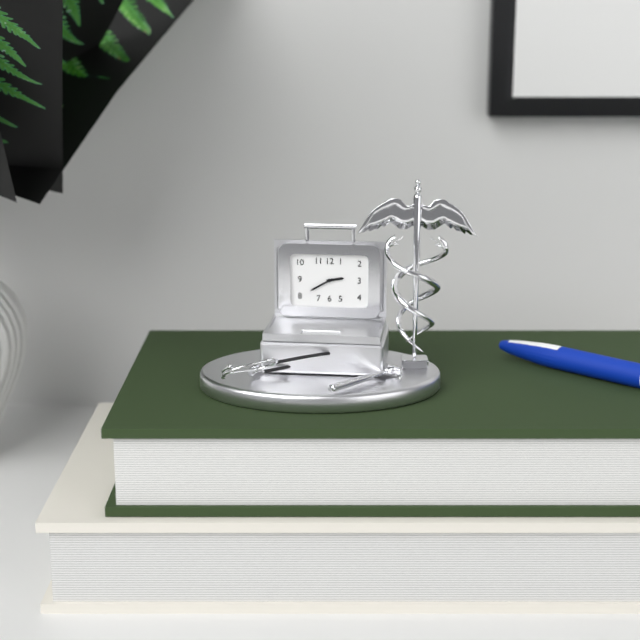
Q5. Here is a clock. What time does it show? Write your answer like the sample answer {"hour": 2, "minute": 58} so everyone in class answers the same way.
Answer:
{"hour": 2, "minute": 40}
